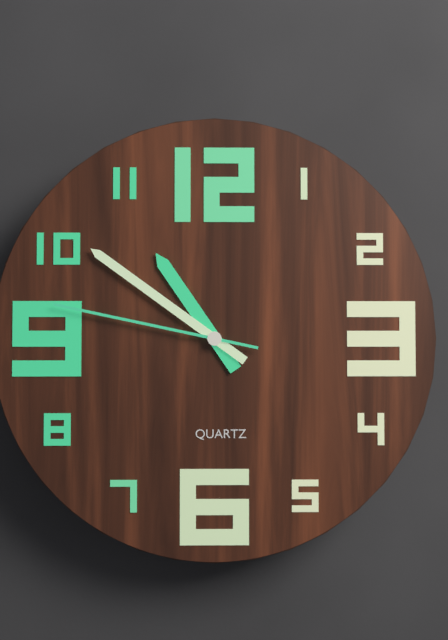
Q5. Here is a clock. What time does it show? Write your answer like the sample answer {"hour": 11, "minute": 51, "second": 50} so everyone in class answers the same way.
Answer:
{"hour": 10, "minute": 51, "second": 47}
